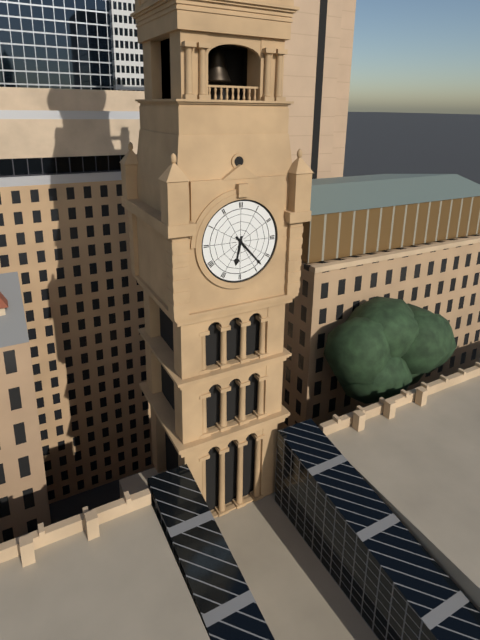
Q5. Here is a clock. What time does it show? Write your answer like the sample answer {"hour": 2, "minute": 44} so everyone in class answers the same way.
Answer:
{"hour": 6, "minute": 23}
